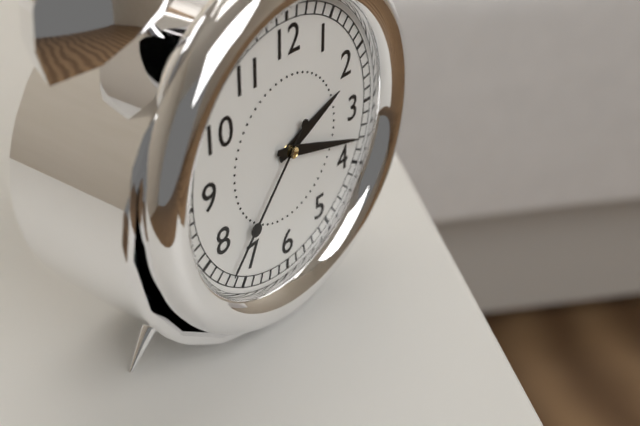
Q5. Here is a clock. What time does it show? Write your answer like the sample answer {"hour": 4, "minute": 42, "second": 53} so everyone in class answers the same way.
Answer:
{"hour": 2, "minute": 18, "second": 37}
